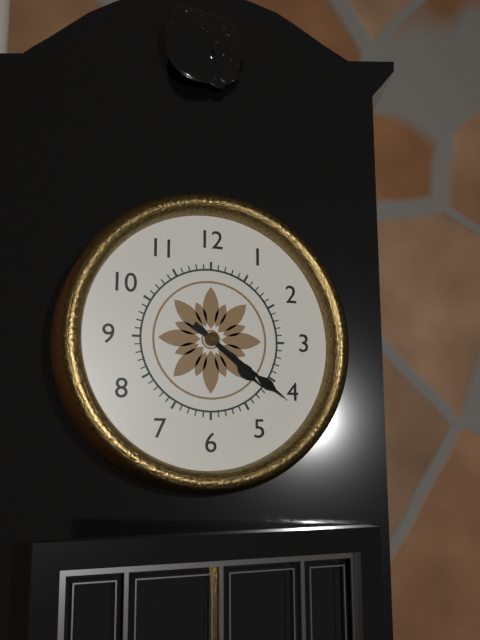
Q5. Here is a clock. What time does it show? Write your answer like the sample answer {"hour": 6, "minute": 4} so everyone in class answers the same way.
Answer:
{"hour": 4, "minute": 21}
